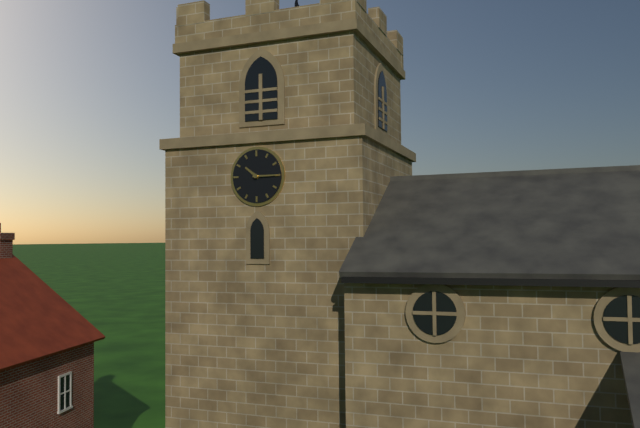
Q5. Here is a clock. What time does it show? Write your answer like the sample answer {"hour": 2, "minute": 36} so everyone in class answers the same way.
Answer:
{"hour": 10, "minute": 15}
